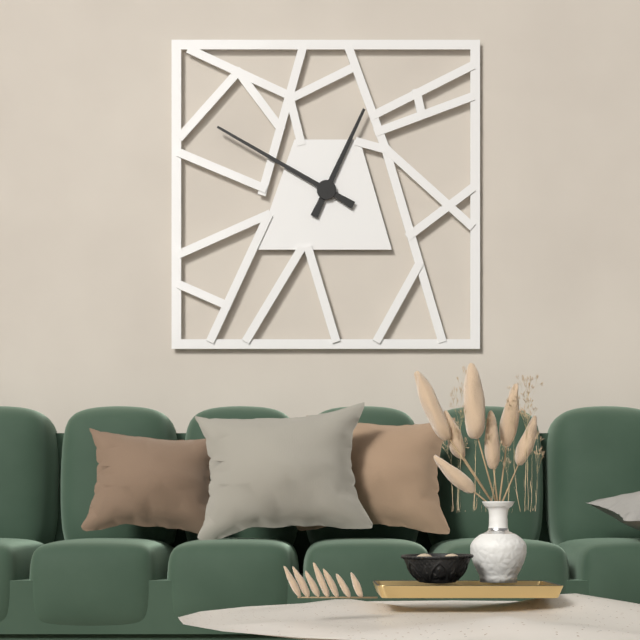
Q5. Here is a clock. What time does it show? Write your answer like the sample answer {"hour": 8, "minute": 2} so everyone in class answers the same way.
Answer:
{"hour": 12, "minute": 50}
